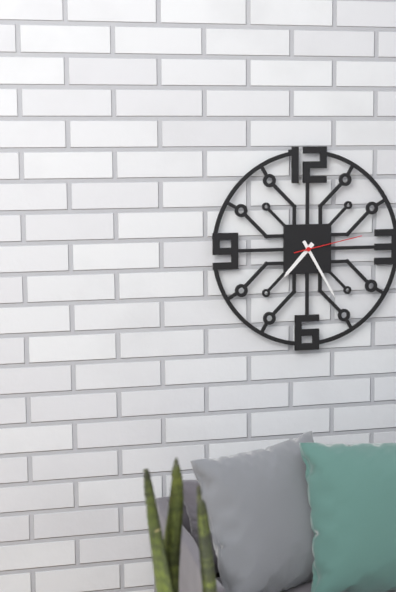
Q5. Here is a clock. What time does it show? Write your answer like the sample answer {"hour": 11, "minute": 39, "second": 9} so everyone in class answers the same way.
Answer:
{"hour": 7, "minute": 25, "second": 13}
